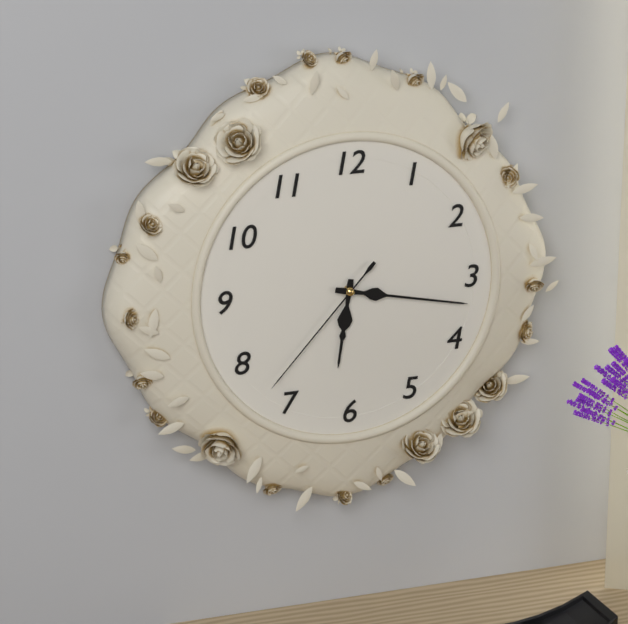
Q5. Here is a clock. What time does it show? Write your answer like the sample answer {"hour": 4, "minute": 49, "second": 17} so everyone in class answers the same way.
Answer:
{"hour": 6, "minute": 17, "second": 37}
